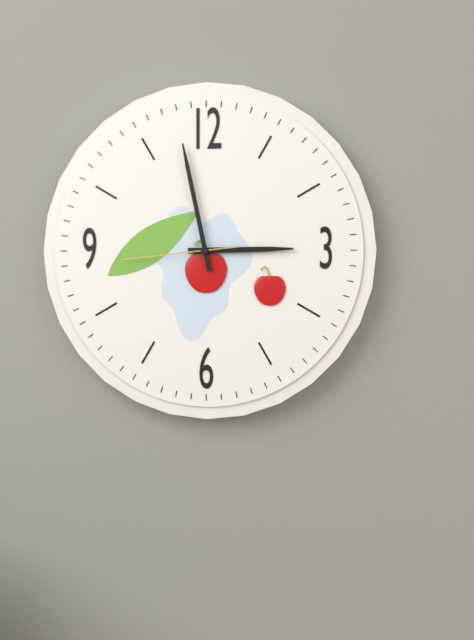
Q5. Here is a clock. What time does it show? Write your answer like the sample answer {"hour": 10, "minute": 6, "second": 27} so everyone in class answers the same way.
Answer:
{"hour": 2, "minute": 58, "second": 44}
